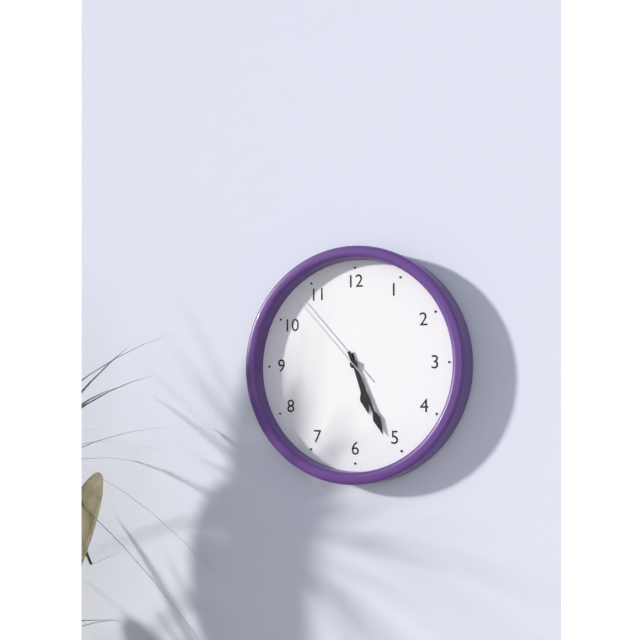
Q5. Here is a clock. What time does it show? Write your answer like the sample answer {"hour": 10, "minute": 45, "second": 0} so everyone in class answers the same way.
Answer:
{"hour": 5, "minute": 26, "second": 53}
